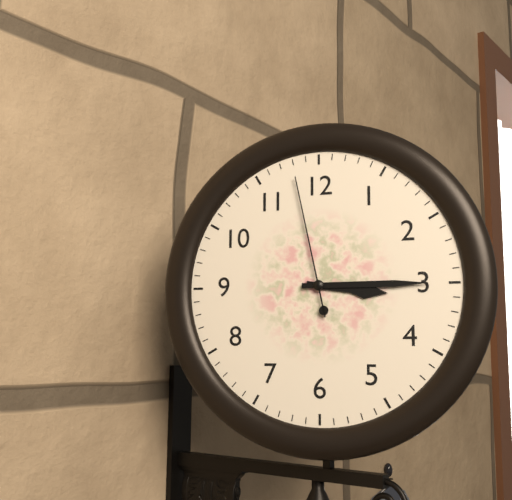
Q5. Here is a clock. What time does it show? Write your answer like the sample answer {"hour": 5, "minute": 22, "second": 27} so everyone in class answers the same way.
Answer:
{"hour": 3, "minute": 15, "second": 58}
